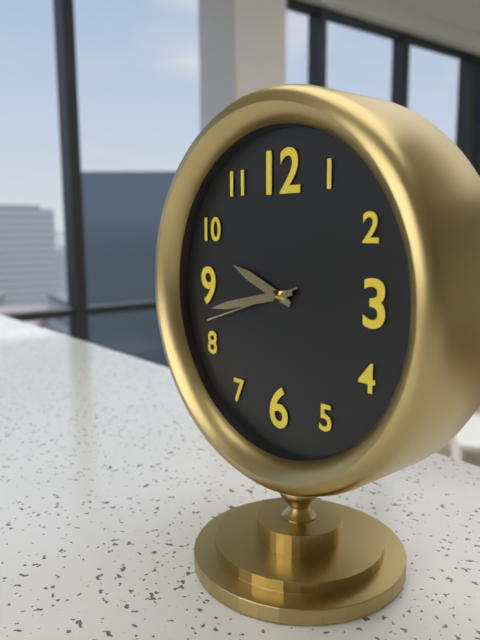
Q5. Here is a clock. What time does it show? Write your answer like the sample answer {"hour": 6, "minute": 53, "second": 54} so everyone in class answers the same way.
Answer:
{"hour": 9, "minute": 43, "second": 42}
